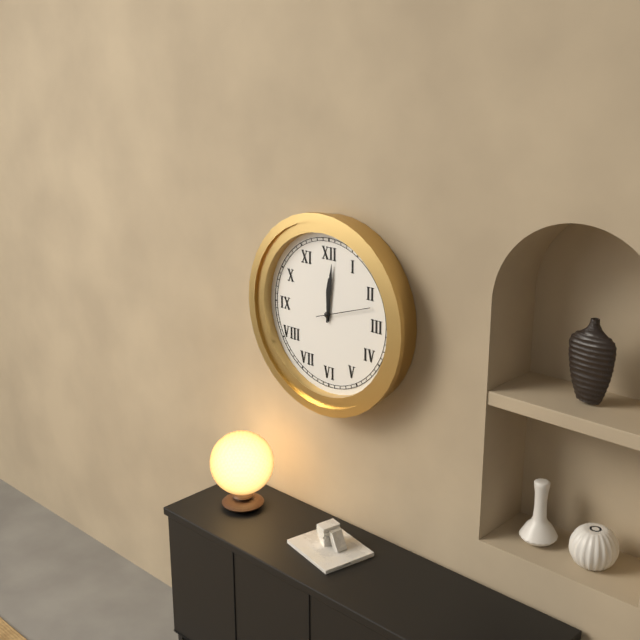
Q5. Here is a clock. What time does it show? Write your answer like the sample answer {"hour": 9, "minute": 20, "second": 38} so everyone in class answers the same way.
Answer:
{"hour": 12, "minute": 1, "second": 12}
